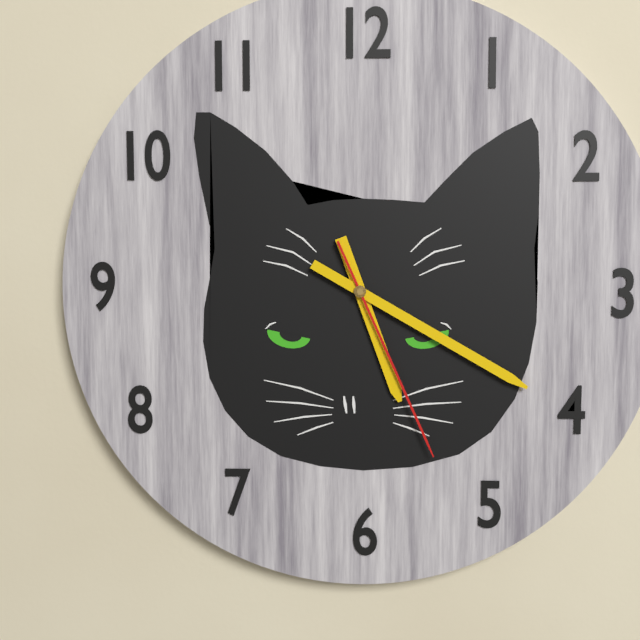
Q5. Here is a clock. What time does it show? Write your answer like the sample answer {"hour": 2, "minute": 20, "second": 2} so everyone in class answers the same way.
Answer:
{"hour": 5, "minute": 20, "second": 26}
